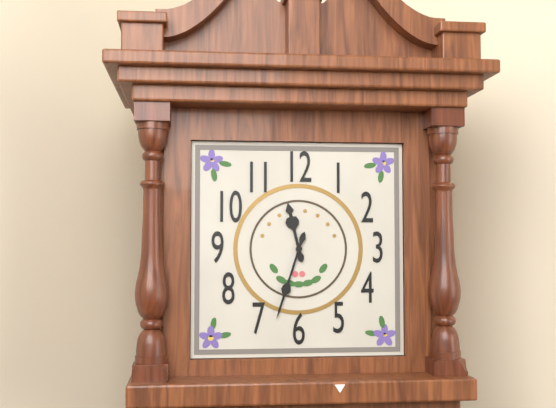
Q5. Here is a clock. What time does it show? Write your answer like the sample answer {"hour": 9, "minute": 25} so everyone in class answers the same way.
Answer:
{"hour": 11, "minute": 33}
